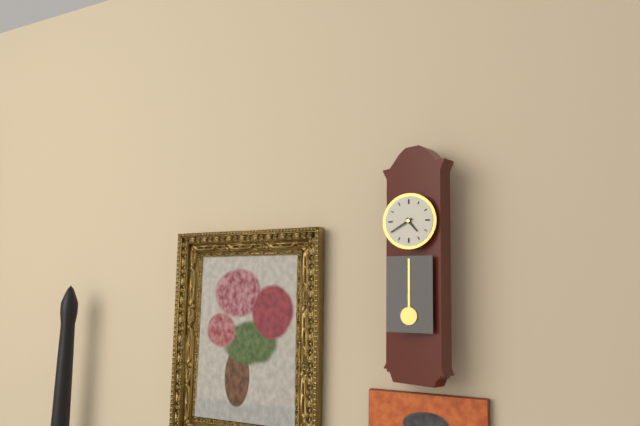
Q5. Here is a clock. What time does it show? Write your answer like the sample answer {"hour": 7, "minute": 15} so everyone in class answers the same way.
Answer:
{"hour": 4, "minute": 40}
